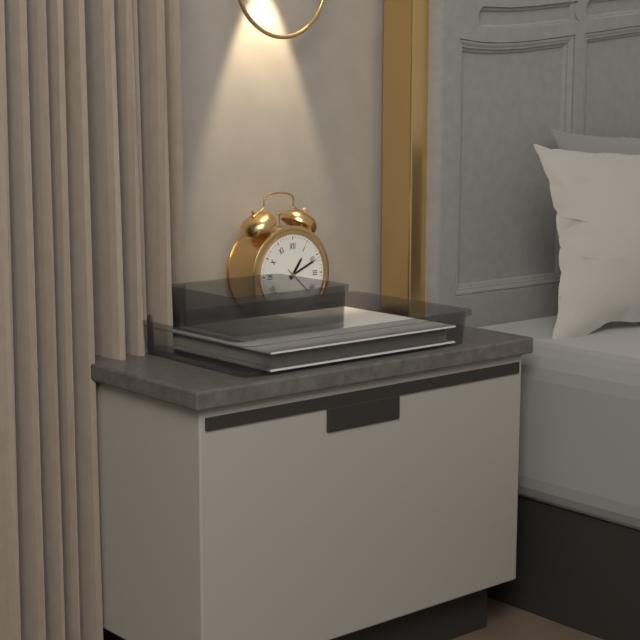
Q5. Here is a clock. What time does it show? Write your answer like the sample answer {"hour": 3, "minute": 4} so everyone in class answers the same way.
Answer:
{"hour": 1, "minute": 11}
